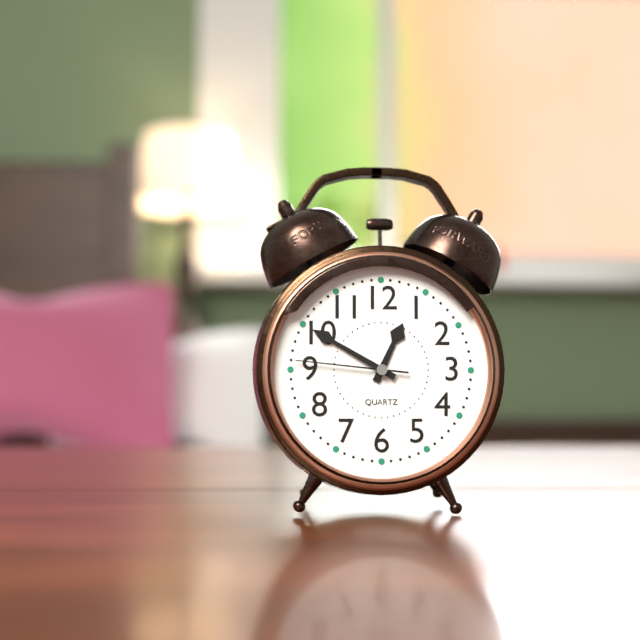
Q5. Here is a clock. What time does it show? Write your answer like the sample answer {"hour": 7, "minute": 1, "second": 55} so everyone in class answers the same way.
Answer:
{"hour": 12, "minute": 50, "second": 46}
